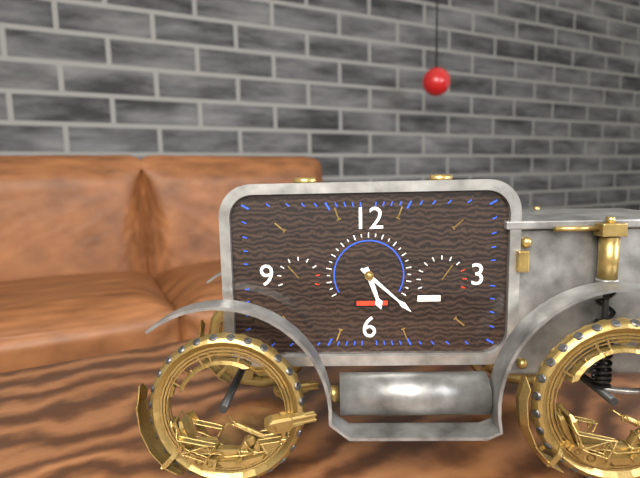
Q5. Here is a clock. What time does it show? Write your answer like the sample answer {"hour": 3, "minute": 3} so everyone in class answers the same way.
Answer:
{"hour": 5, "minute": 22}
